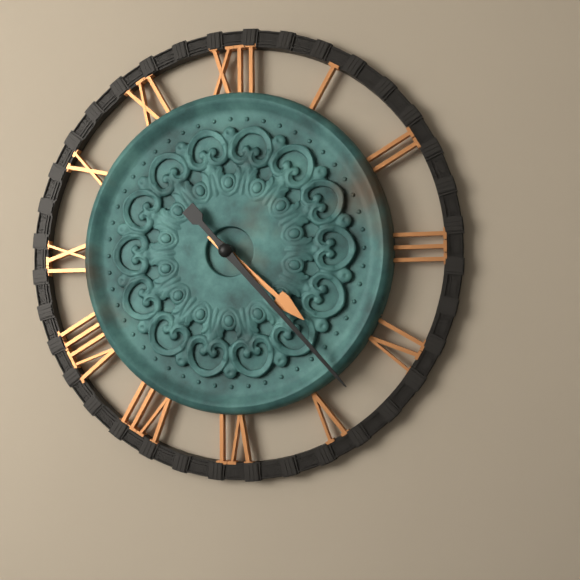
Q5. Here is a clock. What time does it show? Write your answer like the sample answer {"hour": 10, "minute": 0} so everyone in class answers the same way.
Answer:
{"hour": 4, "minute": 23}
